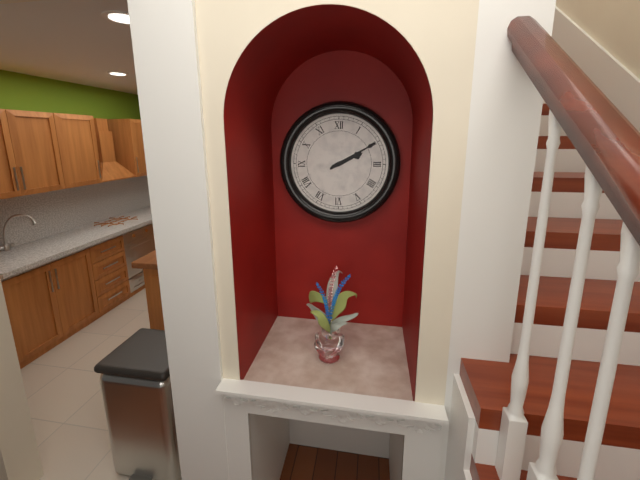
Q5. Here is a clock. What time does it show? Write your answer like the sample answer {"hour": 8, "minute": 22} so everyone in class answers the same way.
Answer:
{"hour": 2, "minute": 10}
